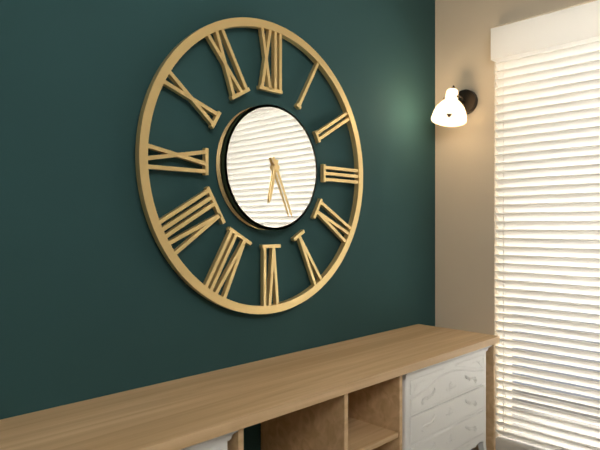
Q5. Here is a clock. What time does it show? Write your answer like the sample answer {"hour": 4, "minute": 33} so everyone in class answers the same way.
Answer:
{"hour": 6, "minute": 26}
